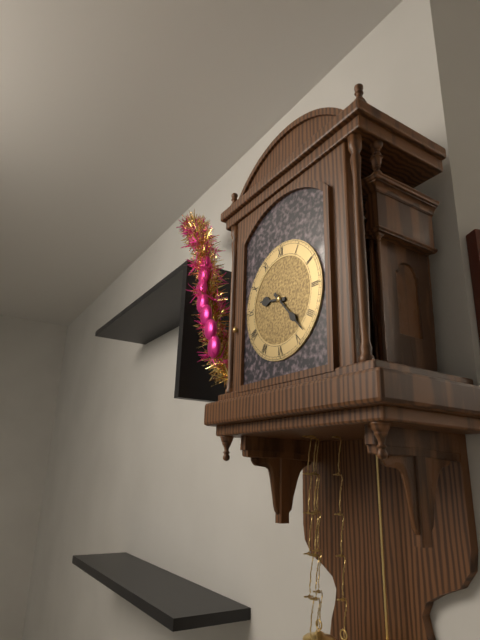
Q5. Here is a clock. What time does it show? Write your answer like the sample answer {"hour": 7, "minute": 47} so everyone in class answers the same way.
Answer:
{"hour": 9, "minute": 23}
